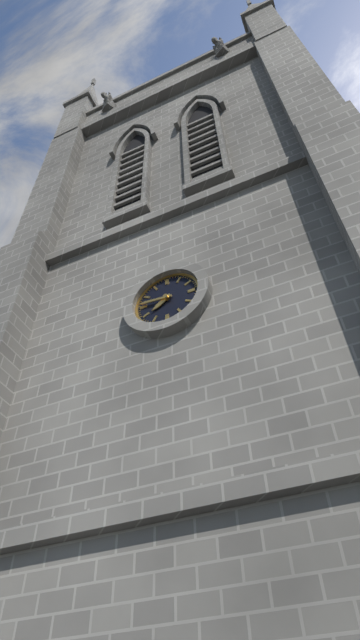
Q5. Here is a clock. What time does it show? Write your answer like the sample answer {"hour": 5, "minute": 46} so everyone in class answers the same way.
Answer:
{"hour": 7, "minute": 46}
